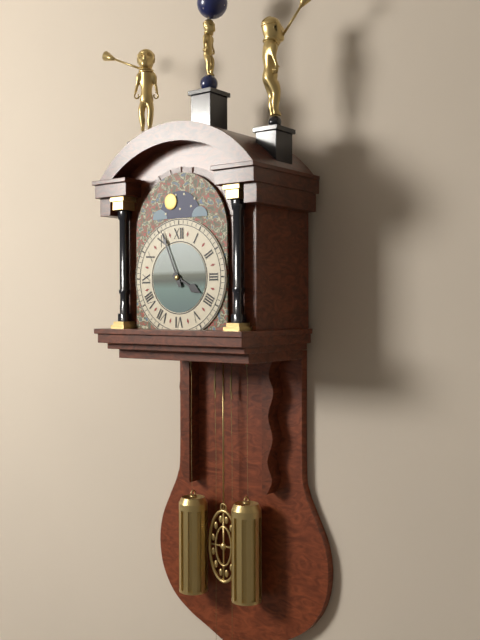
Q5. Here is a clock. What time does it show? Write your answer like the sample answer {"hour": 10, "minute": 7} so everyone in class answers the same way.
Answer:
{"hour": 3, "minute": 56}
